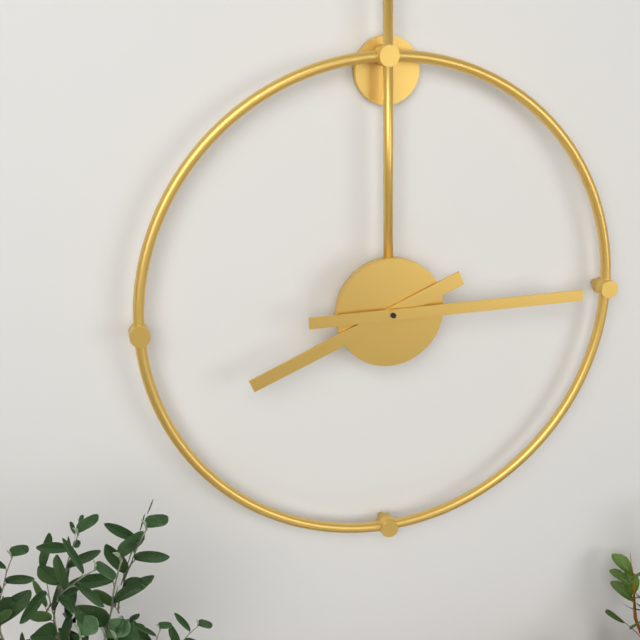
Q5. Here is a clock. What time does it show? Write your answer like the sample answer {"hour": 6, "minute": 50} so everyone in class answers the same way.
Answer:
{"hour": 8, "minute": 15}
